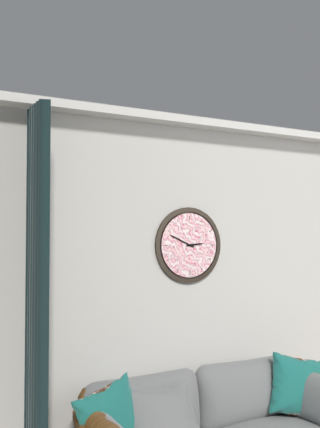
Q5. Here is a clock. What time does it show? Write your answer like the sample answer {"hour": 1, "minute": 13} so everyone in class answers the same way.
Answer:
{"hour": 2, "minute": 49}
